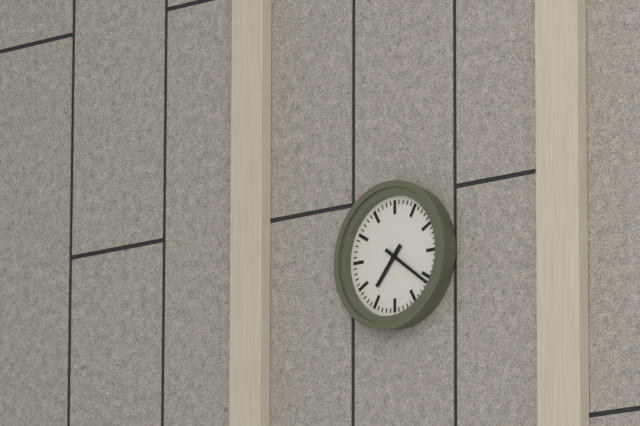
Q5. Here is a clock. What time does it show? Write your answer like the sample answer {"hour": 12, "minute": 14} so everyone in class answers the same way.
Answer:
{"hour": 7, "minute": 21}
